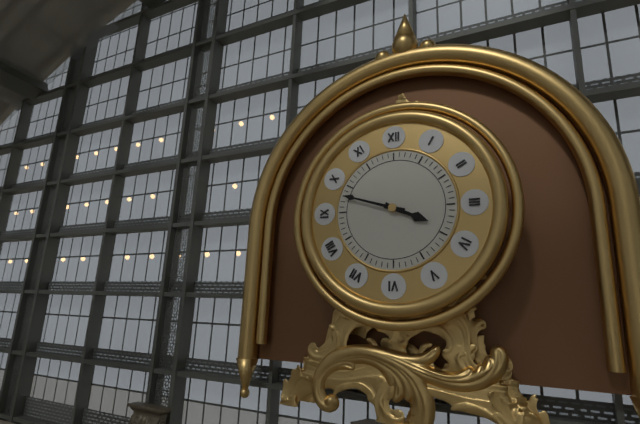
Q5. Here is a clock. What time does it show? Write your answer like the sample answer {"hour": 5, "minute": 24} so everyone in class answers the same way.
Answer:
{"hour": 3, "minute": 48}
